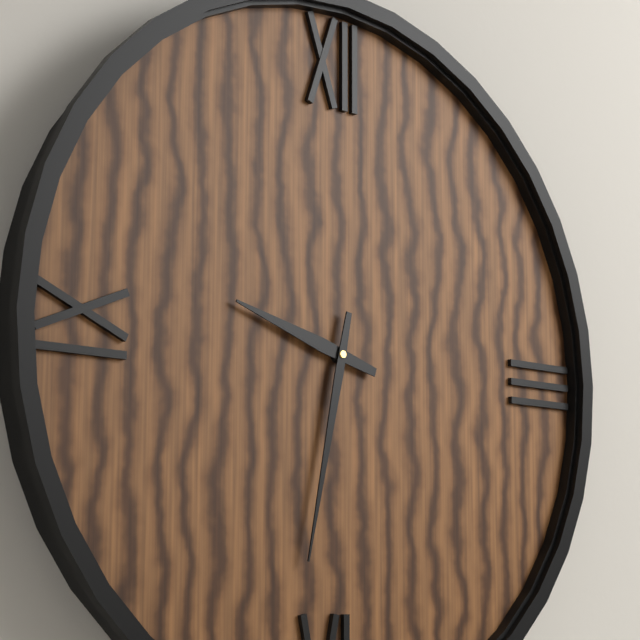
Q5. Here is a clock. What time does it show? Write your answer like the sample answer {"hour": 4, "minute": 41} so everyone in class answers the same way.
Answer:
{"hour": 9, "minute": 32}
